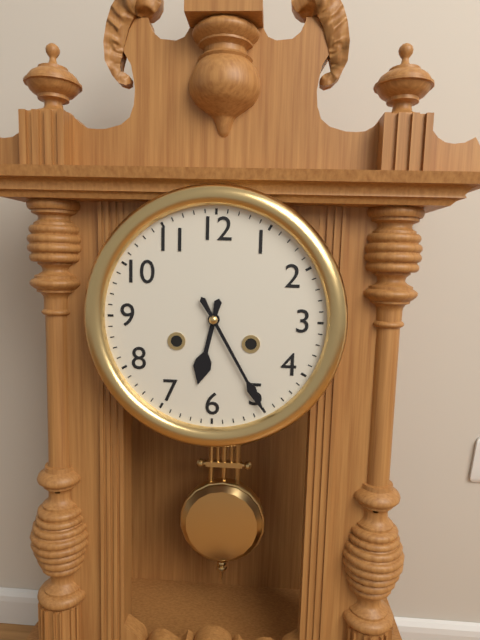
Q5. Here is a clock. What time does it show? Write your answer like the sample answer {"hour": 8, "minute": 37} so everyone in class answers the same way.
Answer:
{"hour": 6, "minute": 25}
